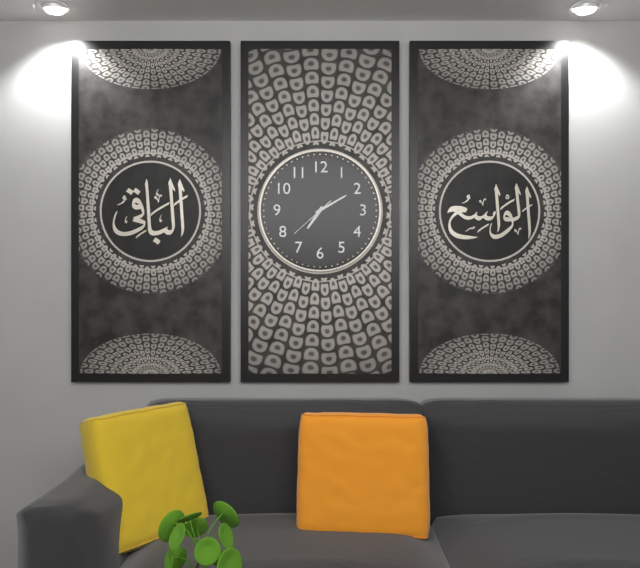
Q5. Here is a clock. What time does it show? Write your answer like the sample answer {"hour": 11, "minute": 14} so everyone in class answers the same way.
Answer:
{"hour": 7, "minute": 10}
